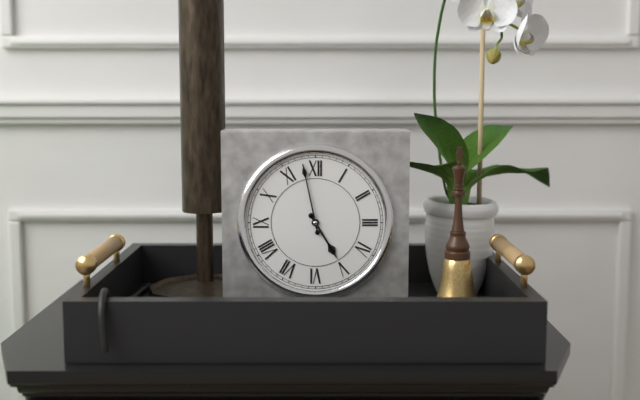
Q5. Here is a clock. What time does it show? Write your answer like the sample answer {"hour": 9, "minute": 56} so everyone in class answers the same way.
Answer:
{"hour": 4, "minute": 58}
